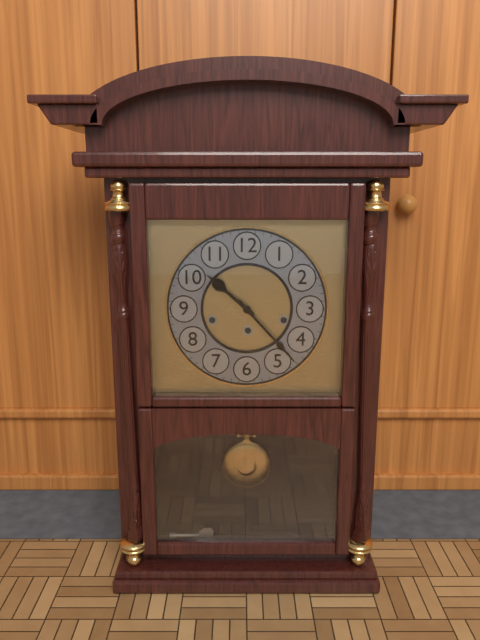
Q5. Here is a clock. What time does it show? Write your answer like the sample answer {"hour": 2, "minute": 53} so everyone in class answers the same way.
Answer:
{"hour": 10, "minute": 23}
